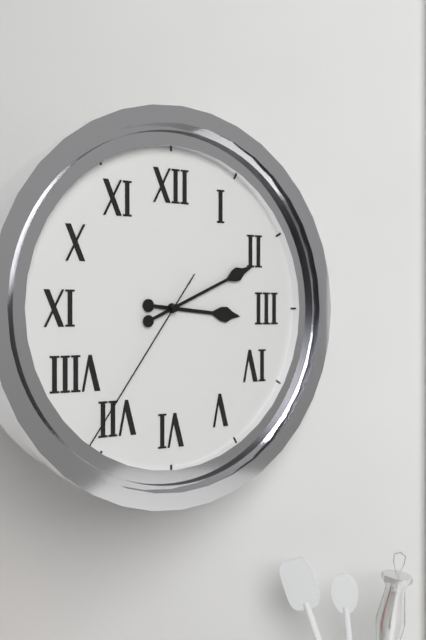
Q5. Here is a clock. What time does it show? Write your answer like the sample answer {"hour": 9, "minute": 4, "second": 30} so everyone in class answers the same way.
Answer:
{"hour": 3, "minute": 11, "second": 36}
